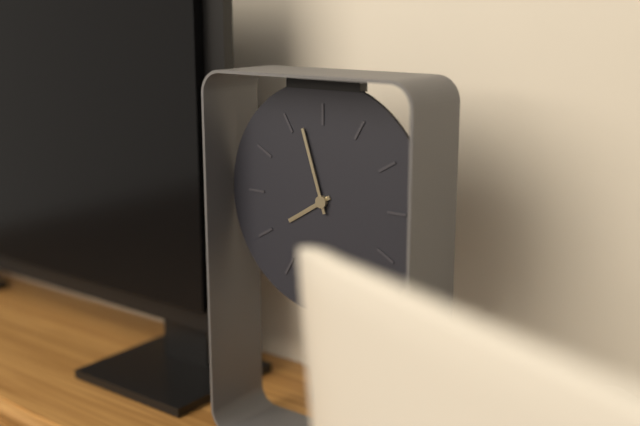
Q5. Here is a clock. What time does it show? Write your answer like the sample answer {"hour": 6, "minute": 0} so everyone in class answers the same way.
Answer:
{"hour": 7, "minute": 57}
